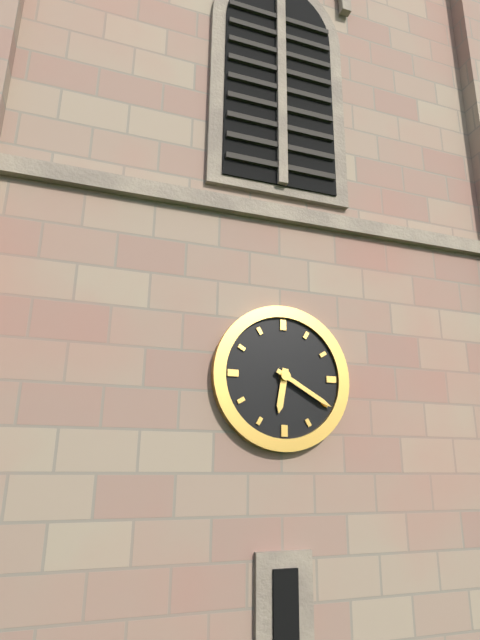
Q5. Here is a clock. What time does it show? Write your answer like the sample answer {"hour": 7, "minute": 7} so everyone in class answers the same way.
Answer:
{"hour": 6, "minute": 20}
